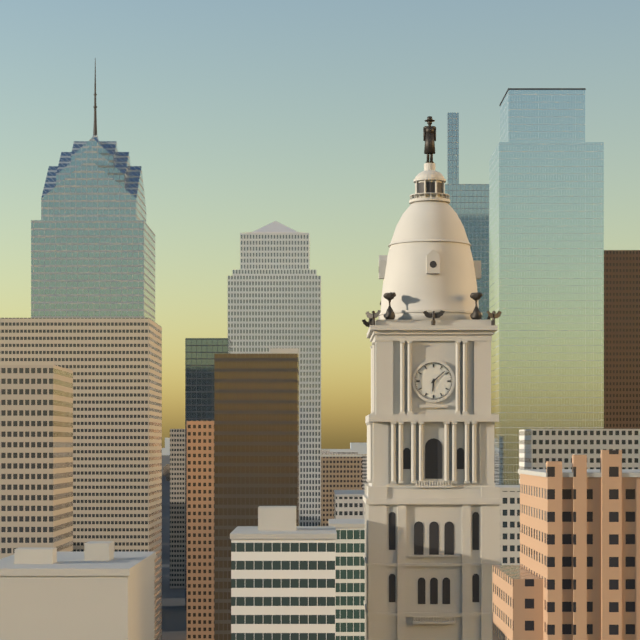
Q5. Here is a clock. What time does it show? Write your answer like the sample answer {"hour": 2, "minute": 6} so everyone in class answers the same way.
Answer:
{"hour": 6, "minute": 8}
